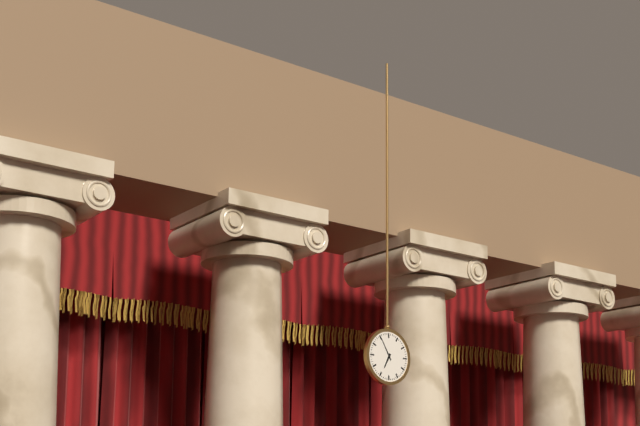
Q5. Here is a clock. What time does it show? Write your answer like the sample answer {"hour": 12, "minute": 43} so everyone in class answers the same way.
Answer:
{"hour": 6, "minute": 55}
